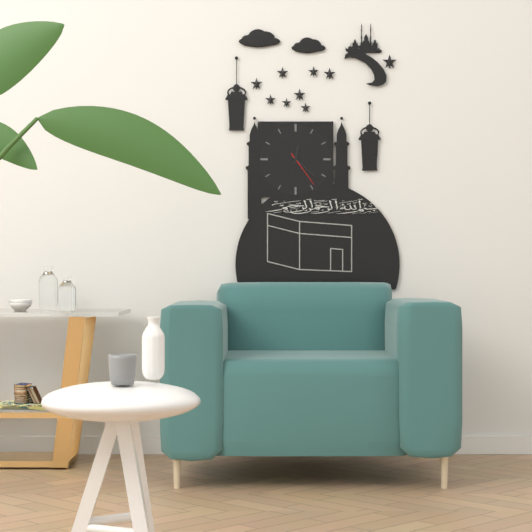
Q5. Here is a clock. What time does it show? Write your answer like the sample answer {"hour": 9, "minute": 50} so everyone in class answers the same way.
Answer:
{"hour": 12, "minute": 22}
